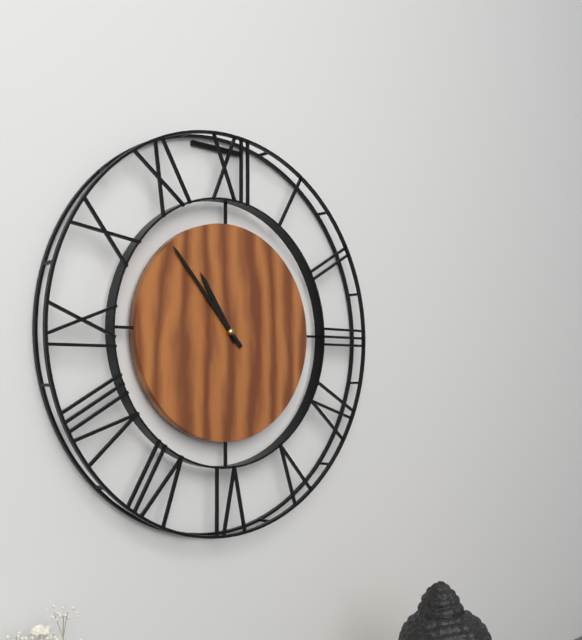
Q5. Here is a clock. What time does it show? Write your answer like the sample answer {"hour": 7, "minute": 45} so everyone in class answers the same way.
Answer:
{"hour": 10, "minute": 53}
